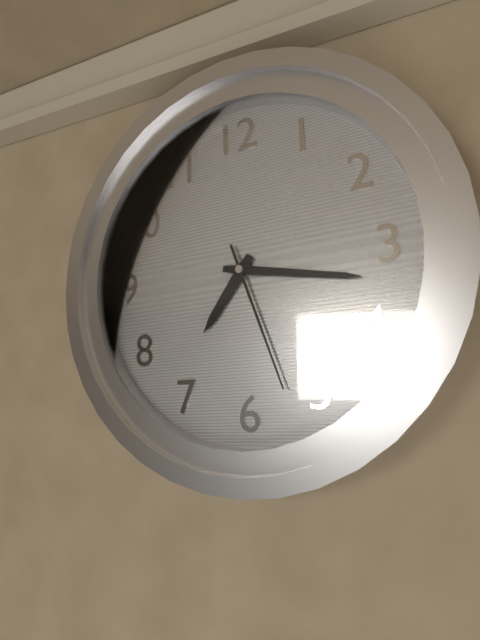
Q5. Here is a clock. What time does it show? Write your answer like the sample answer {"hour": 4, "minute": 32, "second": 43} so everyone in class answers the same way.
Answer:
{"hour": 7, "minute": 17, "second": 27}
